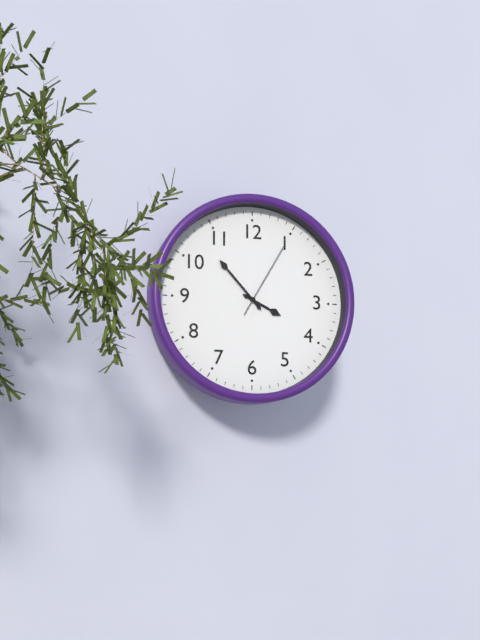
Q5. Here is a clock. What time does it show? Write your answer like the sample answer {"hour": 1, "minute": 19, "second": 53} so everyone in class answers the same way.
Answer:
{"hour": 3, "minute": 53, "second": 5}
